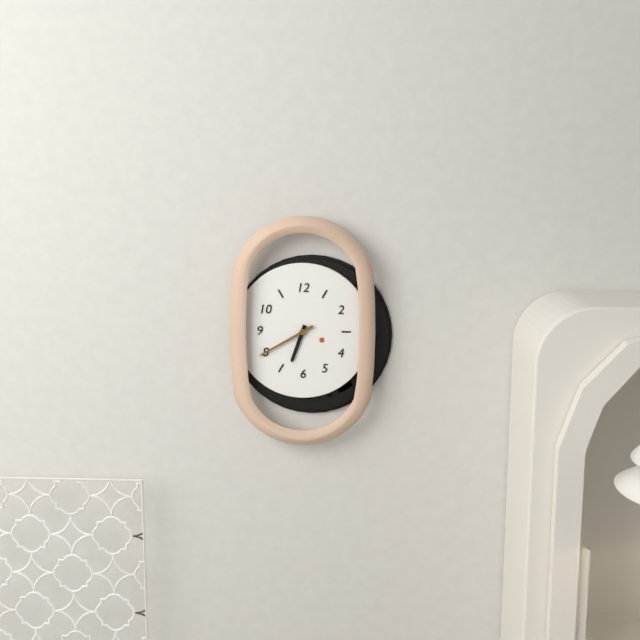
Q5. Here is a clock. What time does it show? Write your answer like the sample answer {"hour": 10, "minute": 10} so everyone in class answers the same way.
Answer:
{"hour": 6, "minute": 40}
